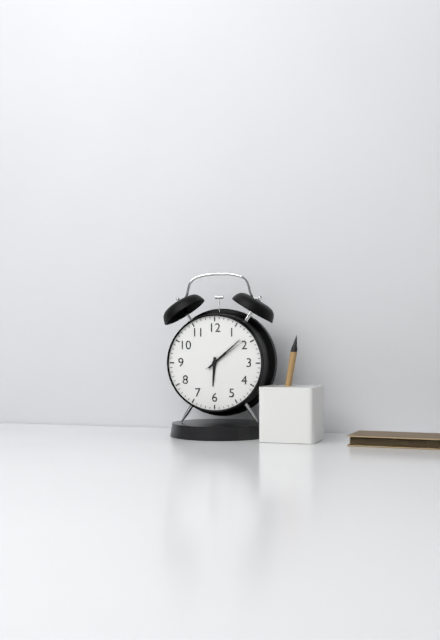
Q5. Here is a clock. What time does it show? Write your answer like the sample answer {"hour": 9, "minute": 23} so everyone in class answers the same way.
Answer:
{"hour": 6, "minute": 8}
